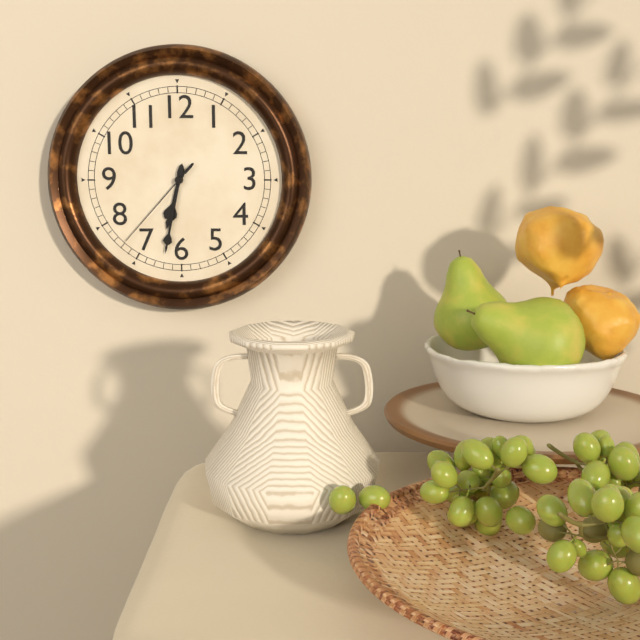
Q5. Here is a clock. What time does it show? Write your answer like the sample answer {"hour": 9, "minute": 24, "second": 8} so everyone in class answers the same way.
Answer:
{"hour": 6, "minute": 32, "second": 37}
